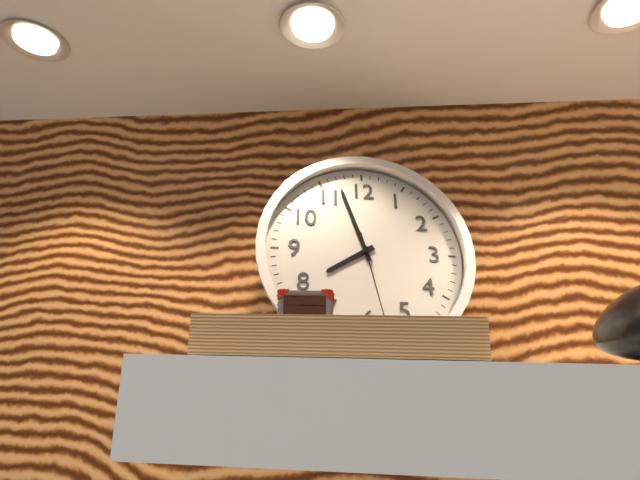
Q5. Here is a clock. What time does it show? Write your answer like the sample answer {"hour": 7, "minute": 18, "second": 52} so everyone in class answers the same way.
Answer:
{"hour": 7, "minute": 57, "second": 28}
